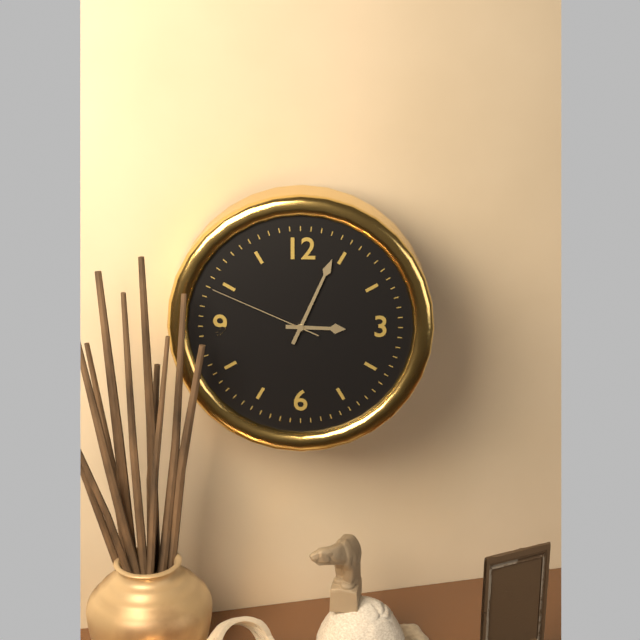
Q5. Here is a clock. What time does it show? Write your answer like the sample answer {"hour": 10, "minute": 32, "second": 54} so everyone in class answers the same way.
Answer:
{"hour": 3, "minute": 4, "second": 49}
